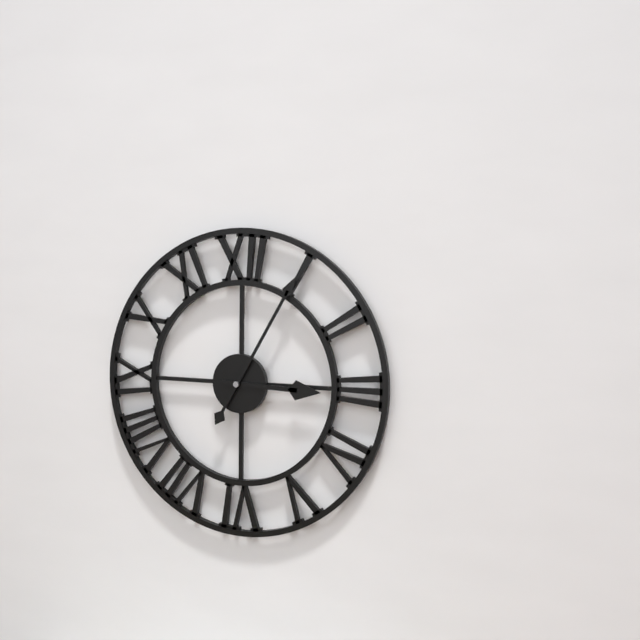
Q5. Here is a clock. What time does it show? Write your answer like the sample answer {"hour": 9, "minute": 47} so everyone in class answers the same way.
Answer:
{"hour": 3, "minute": 5}
